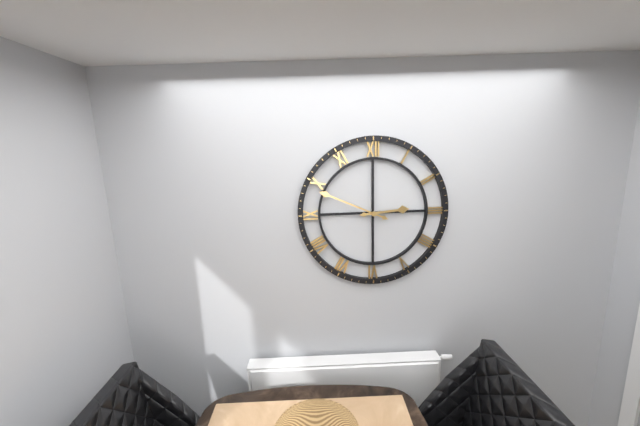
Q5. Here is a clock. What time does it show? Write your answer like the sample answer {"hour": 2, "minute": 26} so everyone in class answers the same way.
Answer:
{"hour": 2, "minute": 49}
